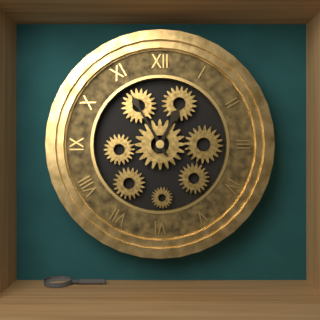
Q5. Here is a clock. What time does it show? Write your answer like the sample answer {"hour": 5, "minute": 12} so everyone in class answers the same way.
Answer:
{"hour": 12, "minute": 55}
